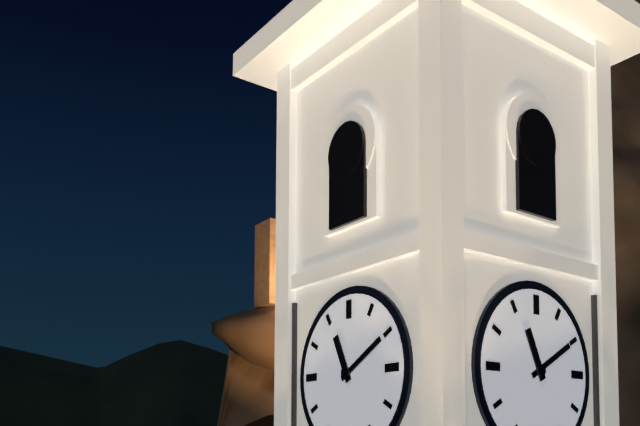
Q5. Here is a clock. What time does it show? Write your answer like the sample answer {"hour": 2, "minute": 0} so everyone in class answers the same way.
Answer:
{"hour": 11, "minute": 10}
